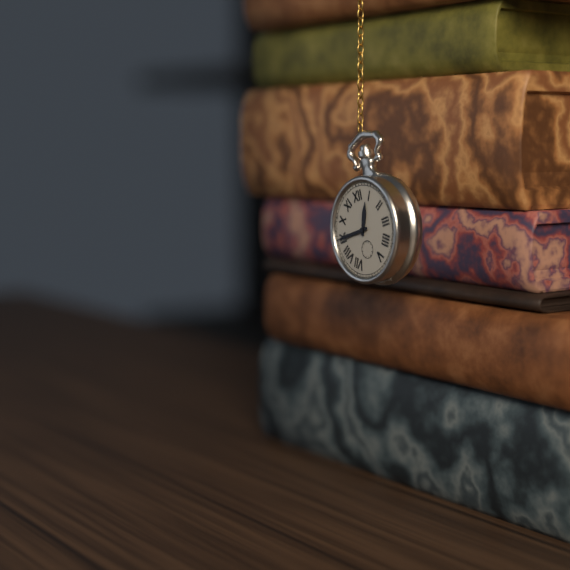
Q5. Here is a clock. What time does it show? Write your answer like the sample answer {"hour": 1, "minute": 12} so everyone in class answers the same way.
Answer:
{"hour": 12, "minute": 45}
